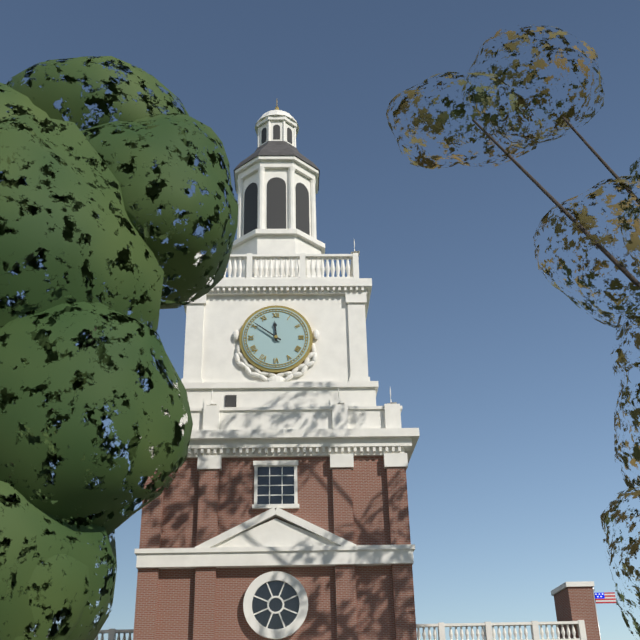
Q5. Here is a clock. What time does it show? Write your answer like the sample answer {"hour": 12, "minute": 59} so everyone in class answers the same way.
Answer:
{"hour": 11, "minute": 51}
